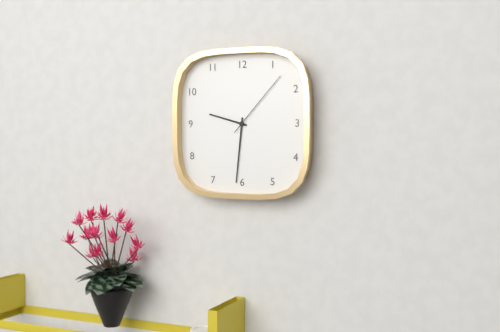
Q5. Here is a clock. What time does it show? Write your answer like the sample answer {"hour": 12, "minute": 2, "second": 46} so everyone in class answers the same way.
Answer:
{"hour": 9, "minute": 31, "second": 7}
